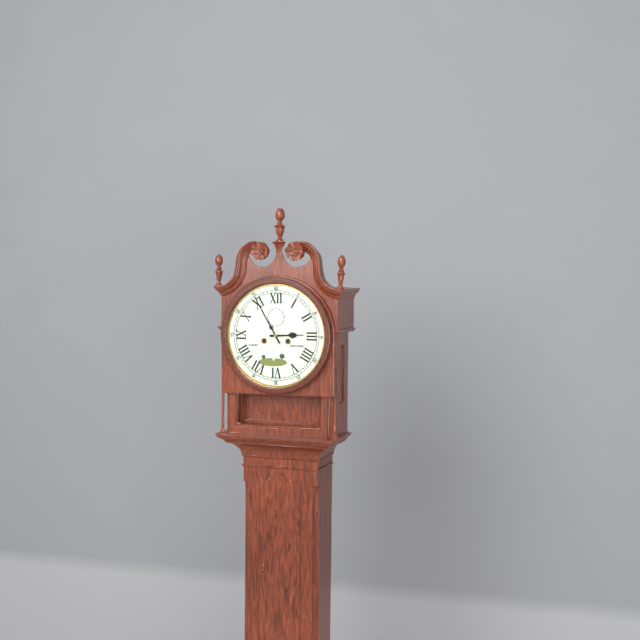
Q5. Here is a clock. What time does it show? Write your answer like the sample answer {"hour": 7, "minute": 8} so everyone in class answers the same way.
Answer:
{"hour": 2, "minute": 55}
